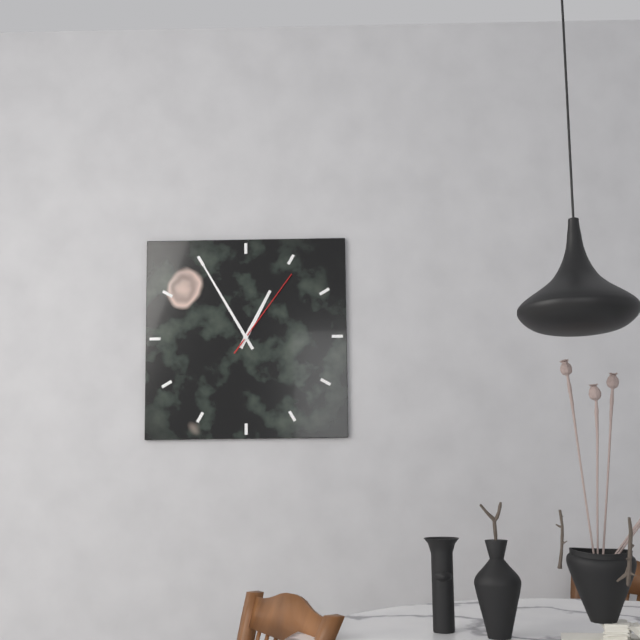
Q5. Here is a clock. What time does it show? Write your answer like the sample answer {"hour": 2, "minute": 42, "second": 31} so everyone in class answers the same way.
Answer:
{"hour": 12, "minute": 55, "second": 6}
